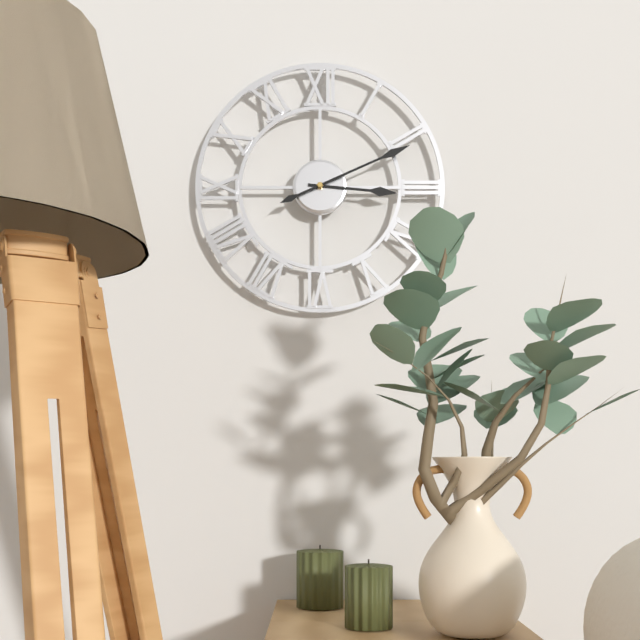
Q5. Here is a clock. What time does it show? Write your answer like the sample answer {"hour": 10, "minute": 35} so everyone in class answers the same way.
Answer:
{"hour": 3, "minute": 11}
